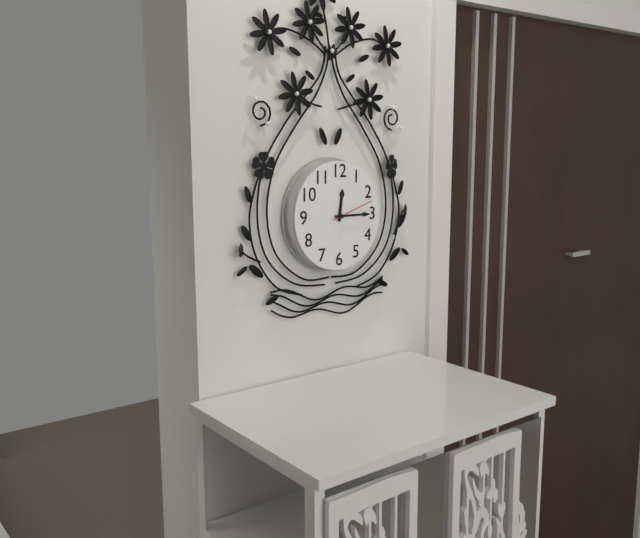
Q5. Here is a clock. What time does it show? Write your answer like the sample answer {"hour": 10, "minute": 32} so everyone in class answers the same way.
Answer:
{"hour": 12, "minute": 15}
